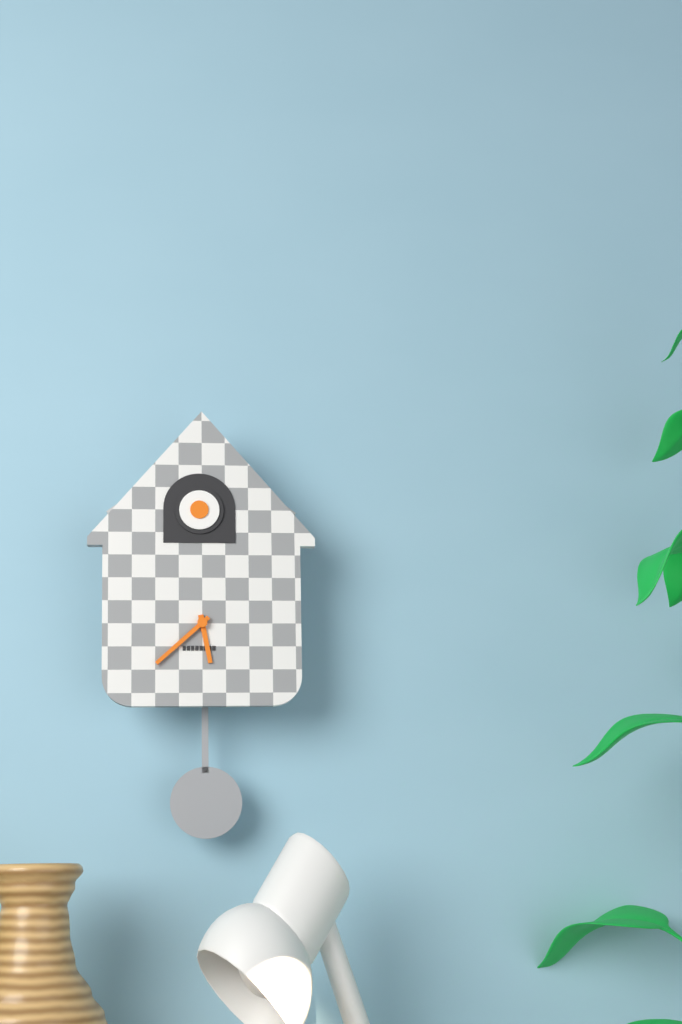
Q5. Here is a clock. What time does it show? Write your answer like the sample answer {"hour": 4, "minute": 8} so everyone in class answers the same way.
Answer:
{"hour": 5, "minute": 38}
